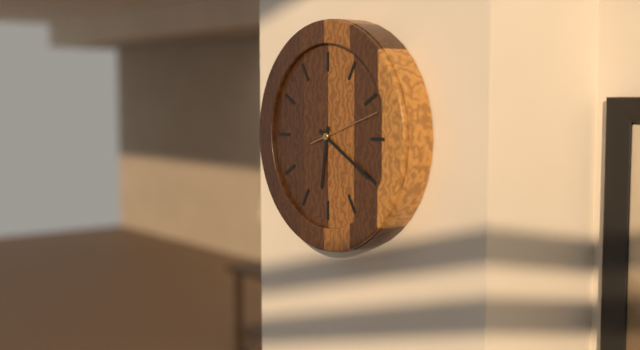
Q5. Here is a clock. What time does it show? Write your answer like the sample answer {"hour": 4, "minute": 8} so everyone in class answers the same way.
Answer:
{"hour": 6, "minute": 20}
